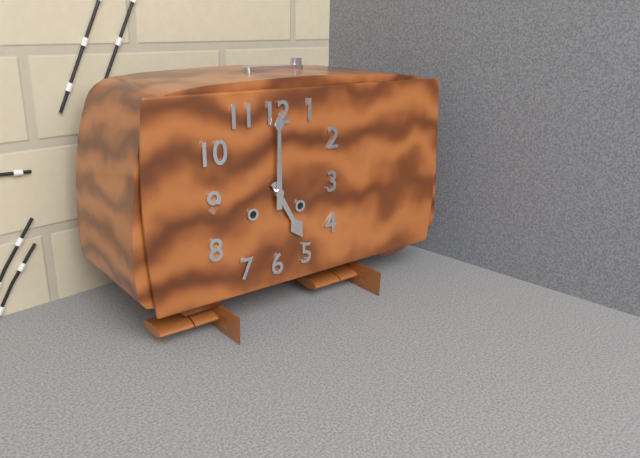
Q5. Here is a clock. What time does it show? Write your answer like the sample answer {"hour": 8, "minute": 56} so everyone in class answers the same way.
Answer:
{"hour": 5, "minute": 0}
